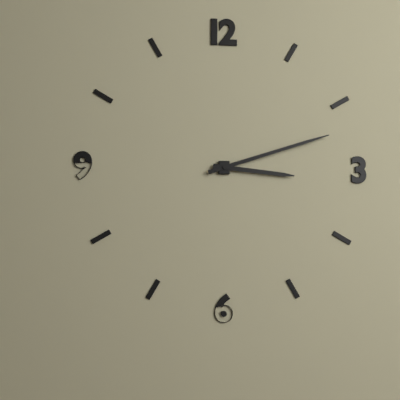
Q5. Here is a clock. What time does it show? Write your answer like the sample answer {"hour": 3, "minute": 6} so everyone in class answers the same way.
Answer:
{"hour": 3, "minute": 12}
